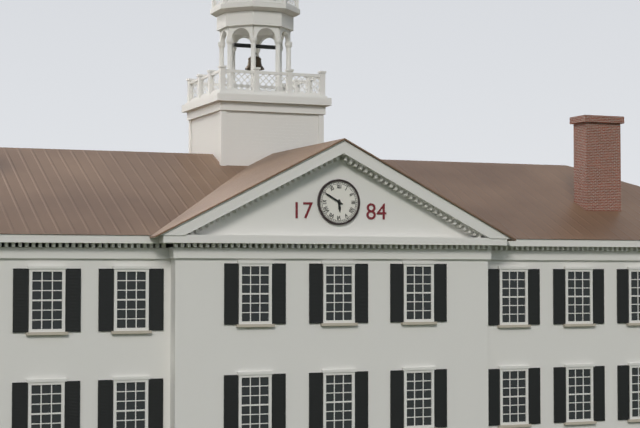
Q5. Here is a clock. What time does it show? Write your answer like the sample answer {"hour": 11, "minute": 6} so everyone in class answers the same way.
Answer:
{"hour": 5, "minute": 50}
